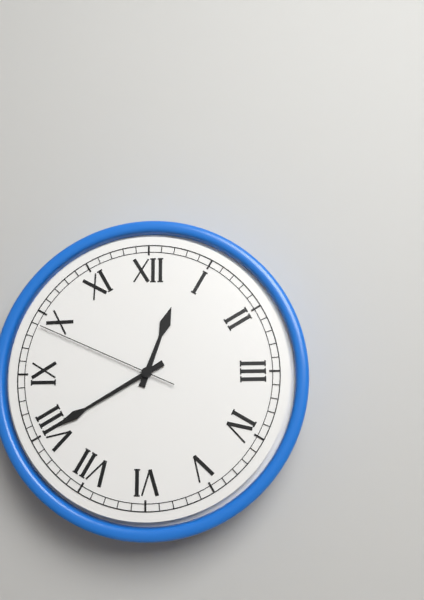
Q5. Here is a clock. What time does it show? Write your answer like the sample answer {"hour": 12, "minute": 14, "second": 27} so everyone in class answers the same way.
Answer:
{"hour": 12, "minute": 40, "second": 49}
